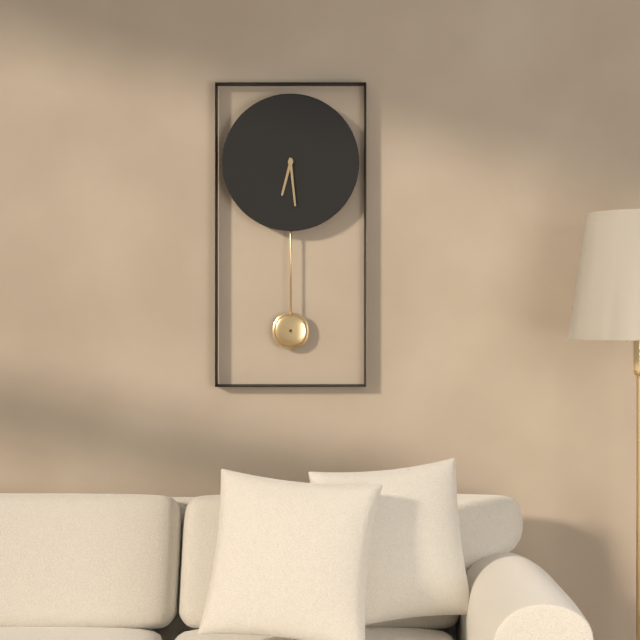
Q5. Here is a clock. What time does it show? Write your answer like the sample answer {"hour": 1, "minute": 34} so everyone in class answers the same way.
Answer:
{"hour": 6, "minute": 29}
